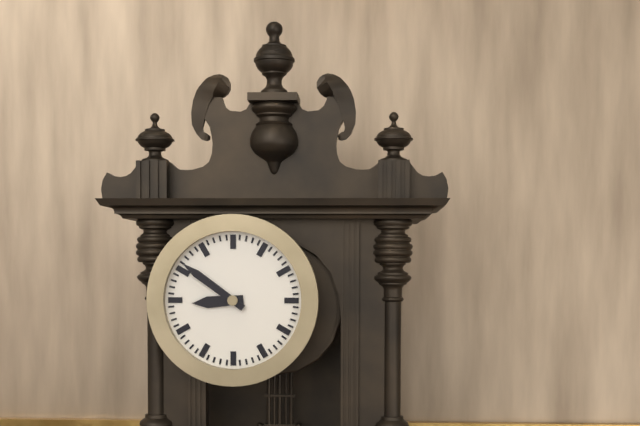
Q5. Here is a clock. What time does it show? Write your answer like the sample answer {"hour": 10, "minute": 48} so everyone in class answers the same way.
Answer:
{"hour": 8, "minute": 51}
